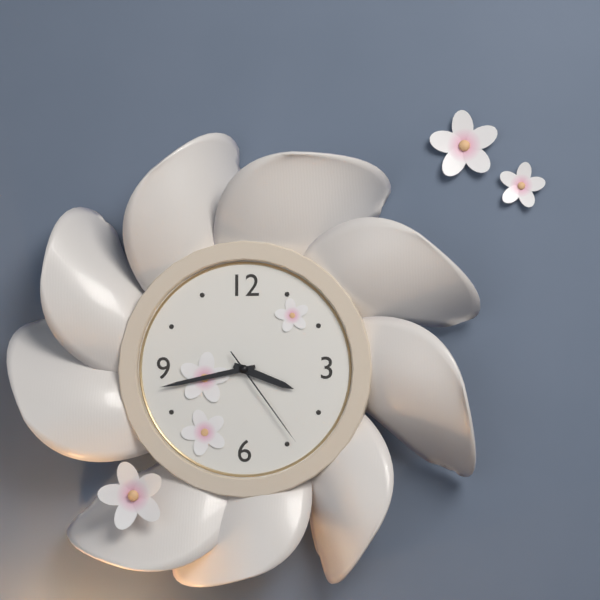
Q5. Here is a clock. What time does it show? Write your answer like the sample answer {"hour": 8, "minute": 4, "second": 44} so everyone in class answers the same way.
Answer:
{"hour": 3, "minute": 43, "second": 24}
